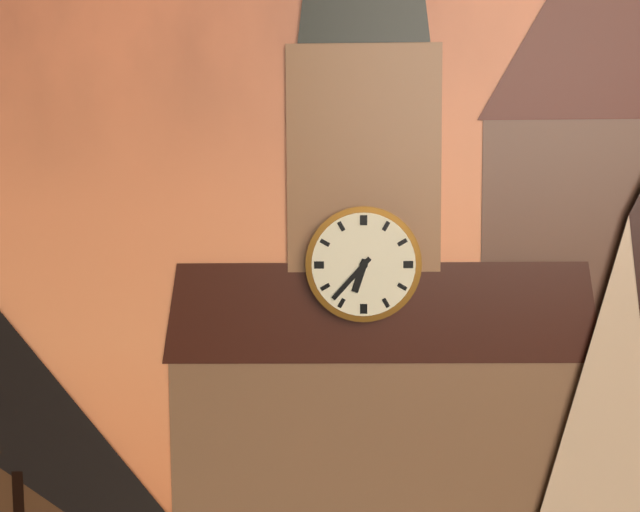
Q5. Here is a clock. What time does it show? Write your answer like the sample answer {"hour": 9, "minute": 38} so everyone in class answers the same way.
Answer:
{"hour": 6, "minute": 37}
